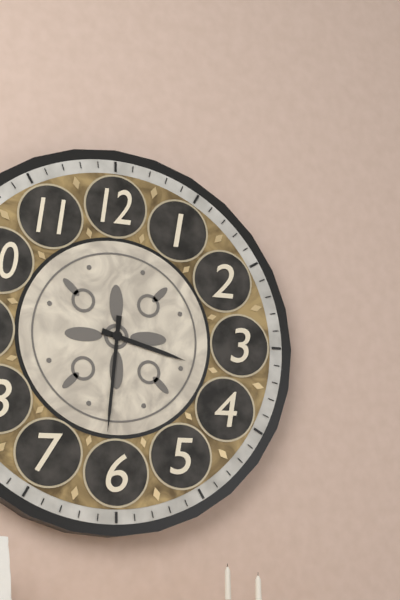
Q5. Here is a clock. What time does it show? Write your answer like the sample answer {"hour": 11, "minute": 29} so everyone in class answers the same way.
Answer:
{"hour": 3, "minute": 31}
